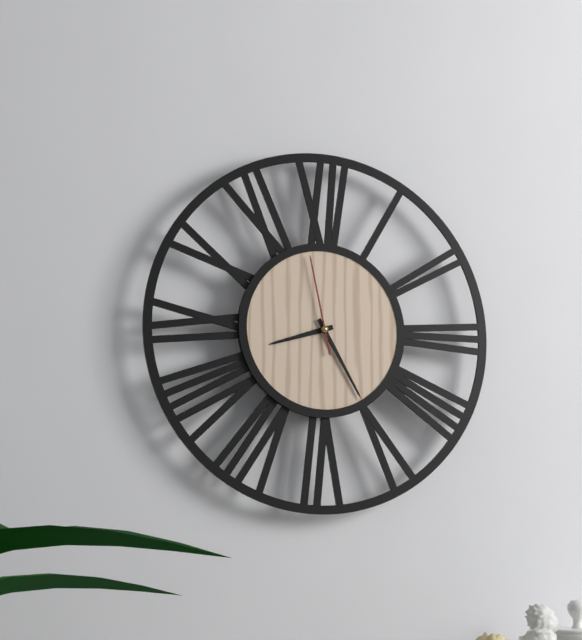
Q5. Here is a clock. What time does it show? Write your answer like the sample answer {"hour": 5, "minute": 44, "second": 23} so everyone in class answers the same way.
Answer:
{"hour": 8, "minute": 25, "second": 58}
